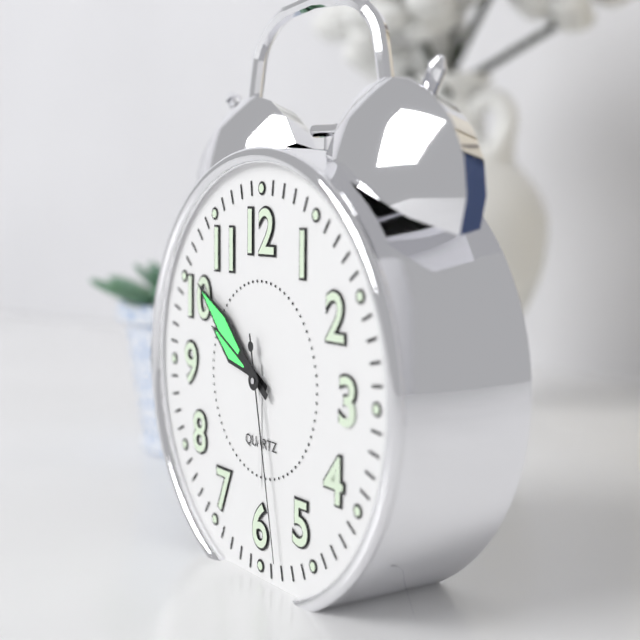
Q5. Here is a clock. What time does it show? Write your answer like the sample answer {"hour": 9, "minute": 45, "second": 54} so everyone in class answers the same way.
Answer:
{"hour": 9, "minute": 51, "second": 28}
